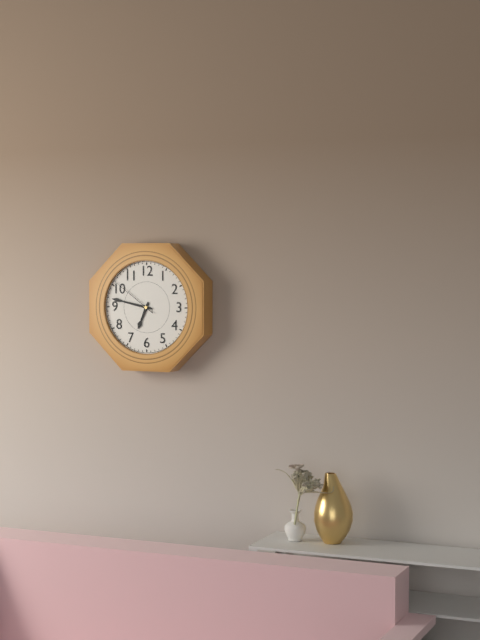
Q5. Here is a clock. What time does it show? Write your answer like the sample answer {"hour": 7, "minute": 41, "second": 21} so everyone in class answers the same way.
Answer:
{"hour": 6, "minute": 47, "second": 51}
